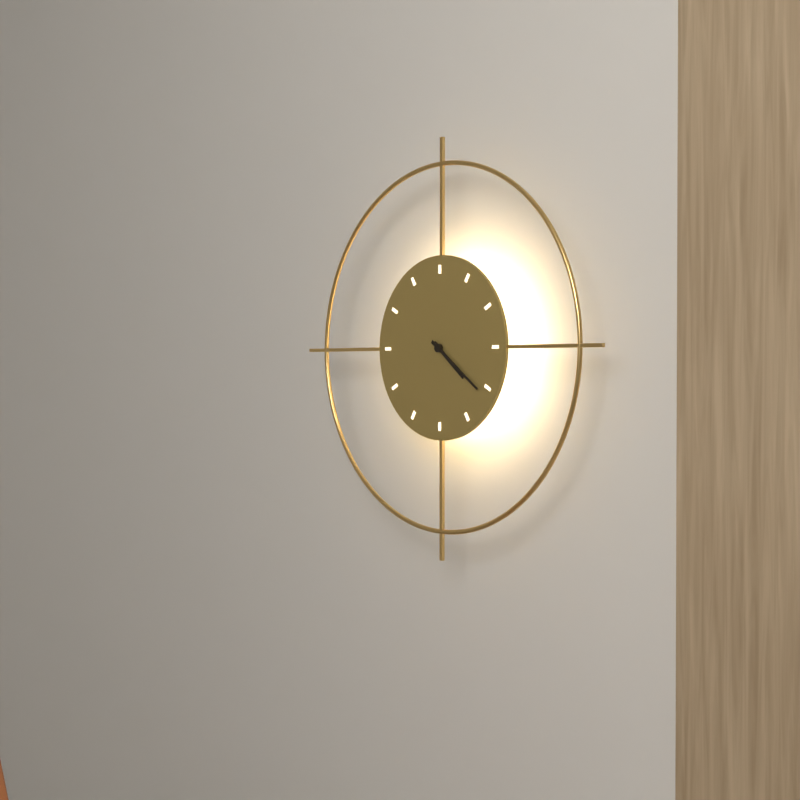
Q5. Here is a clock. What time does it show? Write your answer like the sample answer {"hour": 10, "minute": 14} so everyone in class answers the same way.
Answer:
{"hour": 4, "minute": 21}
